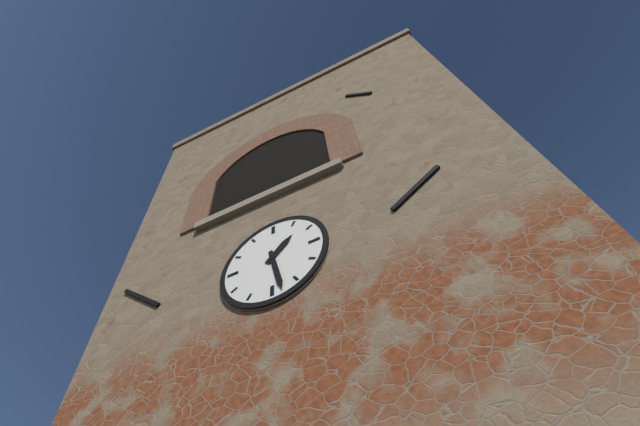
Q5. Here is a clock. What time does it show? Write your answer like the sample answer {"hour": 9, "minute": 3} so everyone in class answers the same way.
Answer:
{"hour": 1, "minute": 28}
